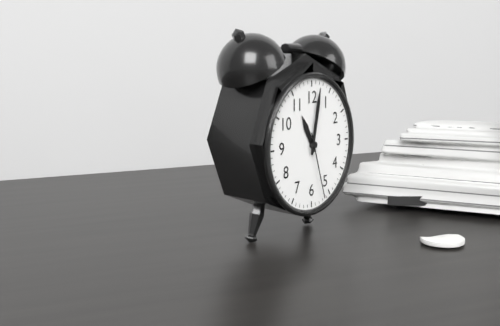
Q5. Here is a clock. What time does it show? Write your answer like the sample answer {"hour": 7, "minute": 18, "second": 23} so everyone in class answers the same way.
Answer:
{"hour": 11, "minute": 2, "second": 27}
